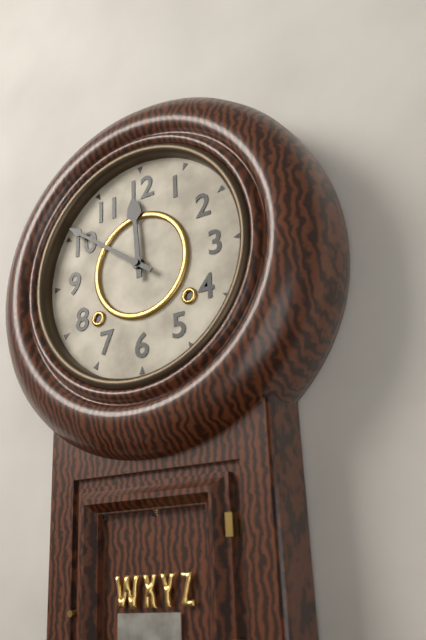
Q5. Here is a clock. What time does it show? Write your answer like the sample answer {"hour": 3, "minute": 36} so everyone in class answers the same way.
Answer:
{"hour": 11, "minute": 51}
